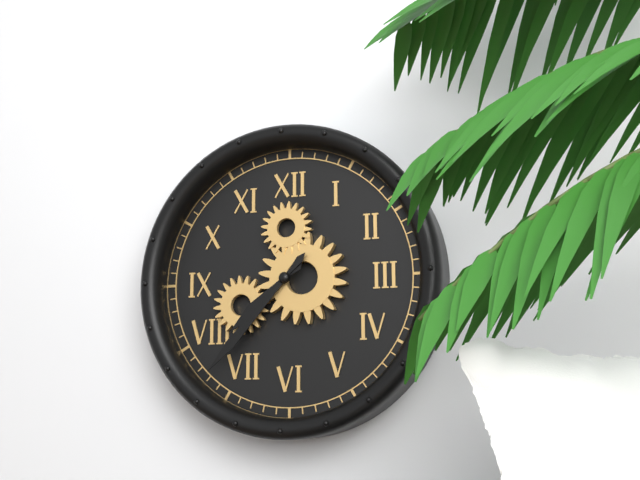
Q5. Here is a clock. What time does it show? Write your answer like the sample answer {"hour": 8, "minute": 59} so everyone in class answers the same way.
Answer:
{"hour": 7, "minute": 37}
